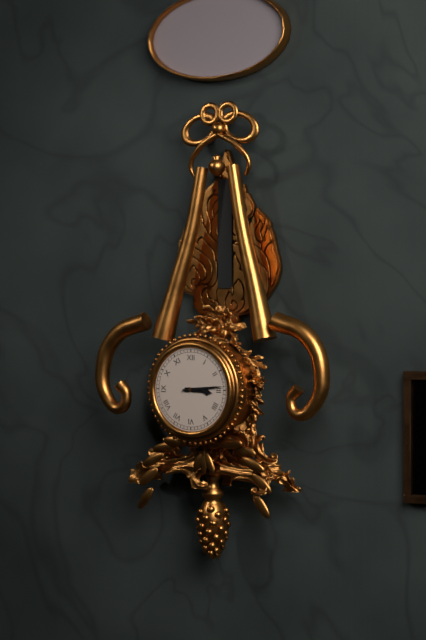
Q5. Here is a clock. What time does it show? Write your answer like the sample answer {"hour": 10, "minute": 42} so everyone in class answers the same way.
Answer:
{"hour": 3, "minute": 14}
